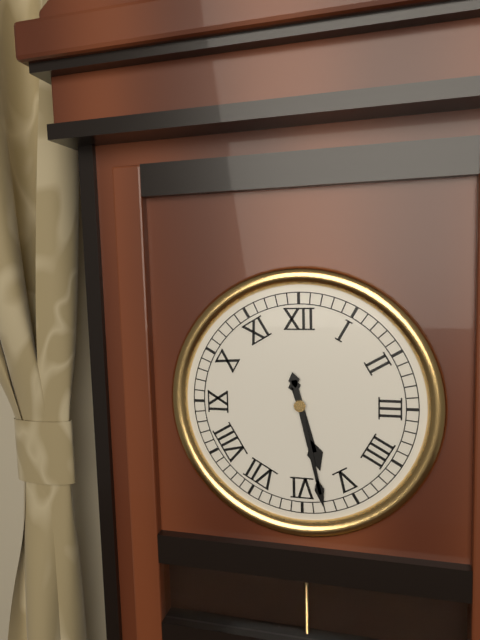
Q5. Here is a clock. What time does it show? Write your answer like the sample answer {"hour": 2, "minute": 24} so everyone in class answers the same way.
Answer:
{"hour": 5, "minute": 28}
